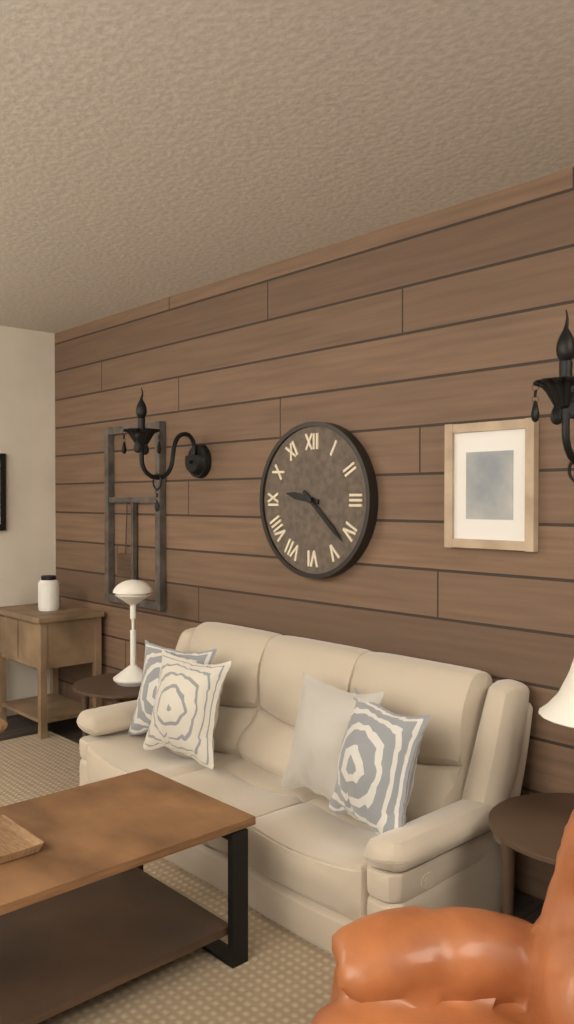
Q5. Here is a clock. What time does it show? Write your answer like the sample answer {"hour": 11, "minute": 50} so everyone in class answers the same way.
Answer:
{"hour": 9, "minute": 22}
